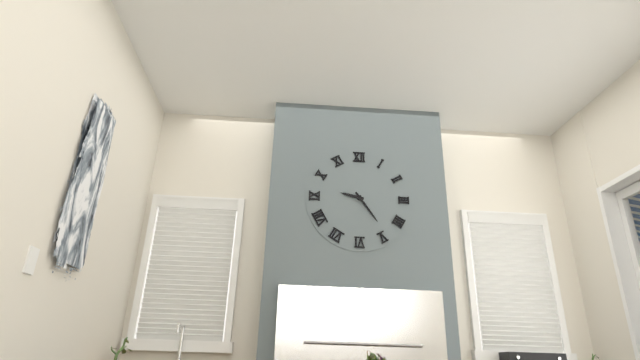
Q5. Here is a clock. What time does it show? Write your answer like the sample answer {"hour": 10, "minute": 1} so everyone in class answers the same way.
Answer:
{"hour": 9, "minute": 24}
